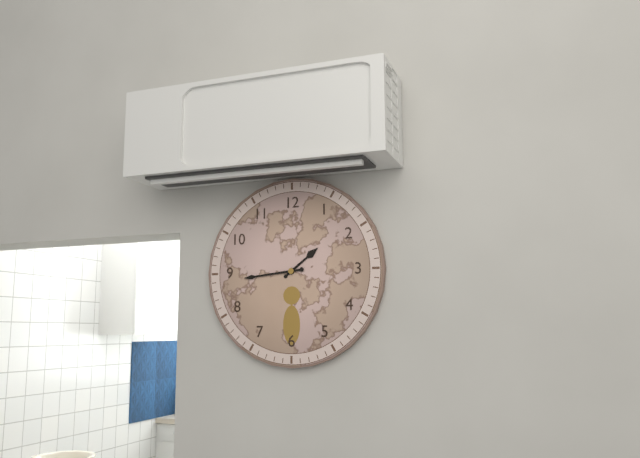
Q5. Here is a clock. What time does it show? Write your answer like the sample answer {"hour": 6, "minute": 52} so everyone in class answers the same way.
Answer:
{"hour": 1, "minute": 44}
